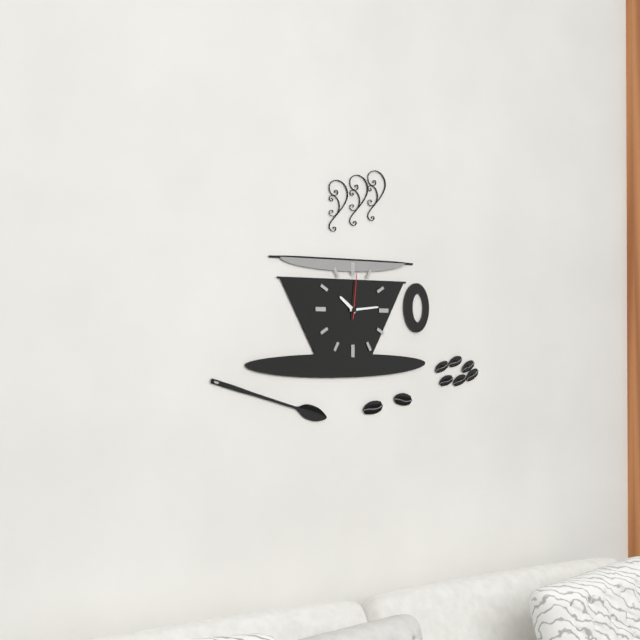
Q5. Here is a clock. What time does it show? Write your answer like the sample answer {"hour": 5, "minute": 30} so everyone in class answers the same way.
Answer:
{"hour": 10, "minute": 14}
